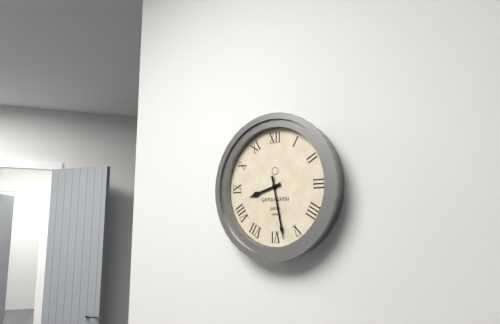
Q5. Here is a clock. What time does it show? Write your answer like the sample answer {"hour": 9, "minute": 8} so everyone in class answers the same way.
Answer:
{"hour": 8, "minute": 28}
